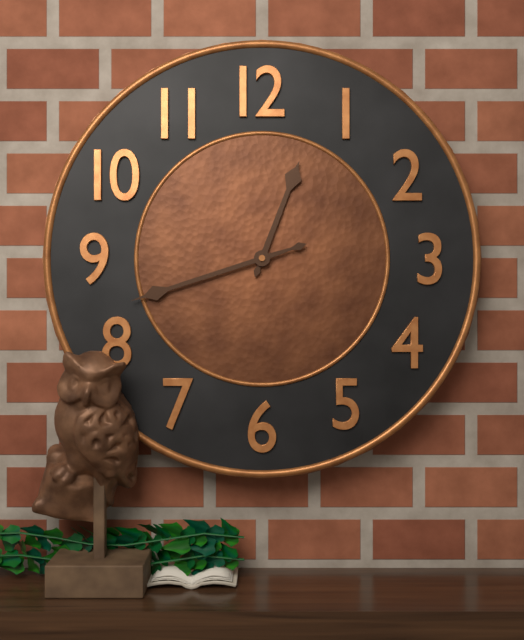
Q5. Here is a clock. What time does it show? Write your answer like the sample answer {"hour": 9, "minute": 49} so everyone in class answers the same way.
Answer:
{"hour": 12, "minute": 42}
